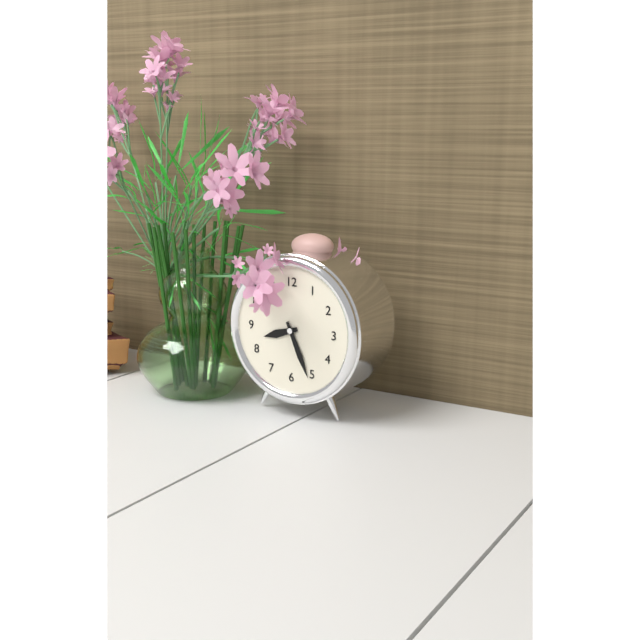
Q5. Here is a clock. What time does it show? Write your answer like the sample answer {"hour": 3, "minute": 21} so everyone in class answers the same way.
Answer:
{"hour": 8, "minute": 26}
